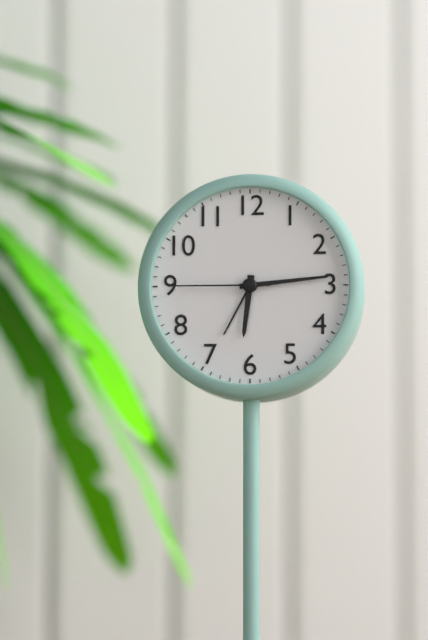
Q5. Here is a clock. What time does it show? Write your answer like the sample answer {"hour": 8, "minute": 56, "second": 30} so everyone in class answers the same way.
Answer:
{"hour": 6, "minute": 14, "second": 45}
